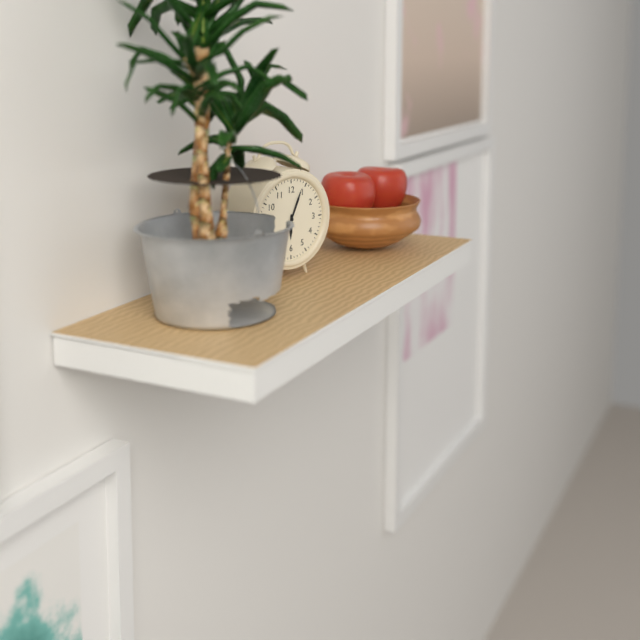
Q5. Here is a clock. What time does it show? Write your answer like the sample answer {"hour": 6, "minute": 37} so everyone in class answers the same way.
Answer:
{"hour": 6, "minute": 4}
